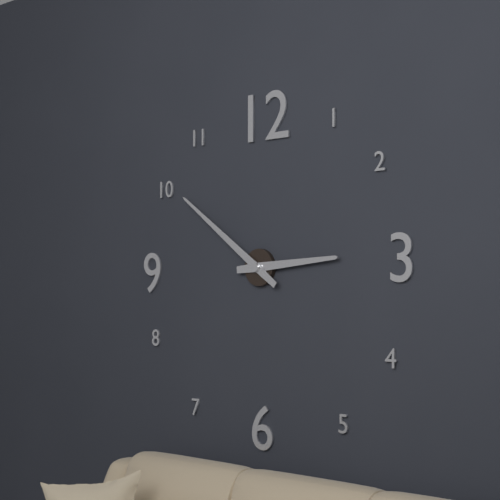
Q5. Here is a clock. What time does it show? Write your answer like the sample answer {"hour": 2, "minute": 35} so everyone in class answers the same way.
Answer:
{"hour": 2, "minute": 51}
